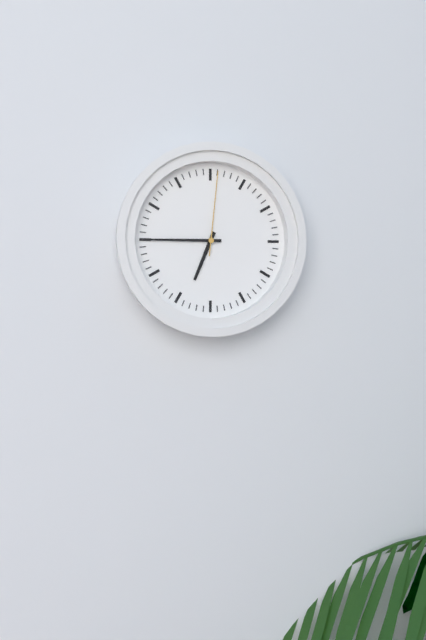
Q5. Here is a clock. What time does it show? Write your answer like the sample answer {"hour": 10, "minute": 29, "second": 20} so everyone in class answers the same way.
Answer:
{"hour": 6, "minute": 45, "second": 1}
